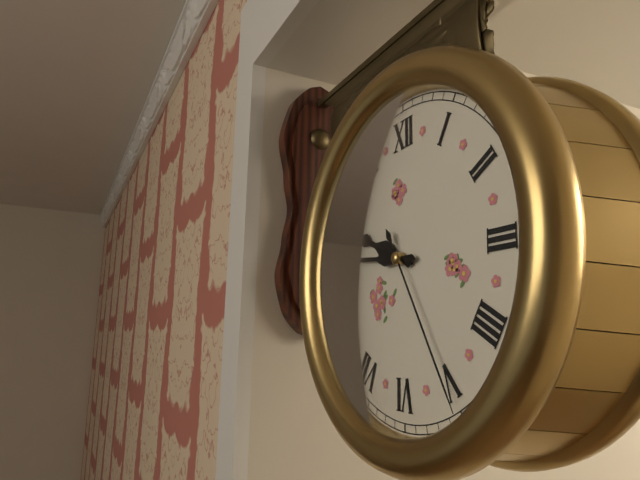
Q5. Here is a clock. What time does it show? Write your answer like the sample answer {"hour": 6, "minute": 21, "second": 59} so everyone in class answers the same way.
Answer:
{"hour": 9, "minute": 46, "second": 25}
